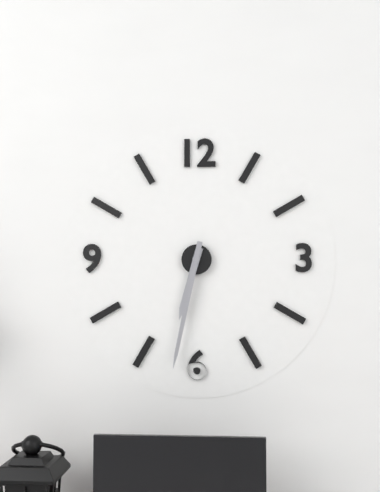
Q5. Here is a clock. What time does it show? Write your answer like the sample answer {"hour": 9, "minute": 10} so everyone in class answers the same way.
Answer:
{"hour": 6, "minute": 32}
